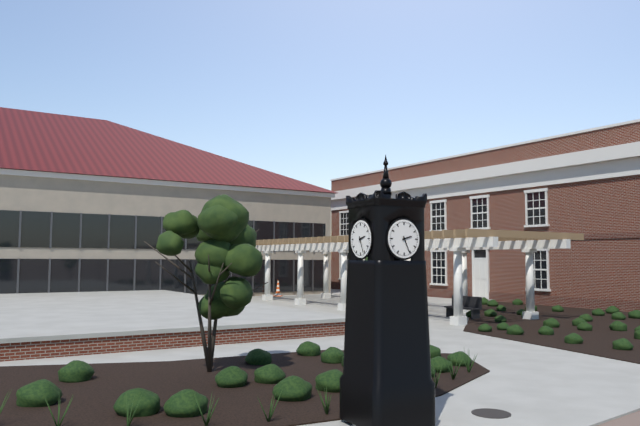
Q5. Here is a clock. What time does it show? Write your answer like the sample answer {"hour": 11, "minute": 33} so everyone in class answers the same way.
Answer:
{"hour": 2, "minute": 26}
